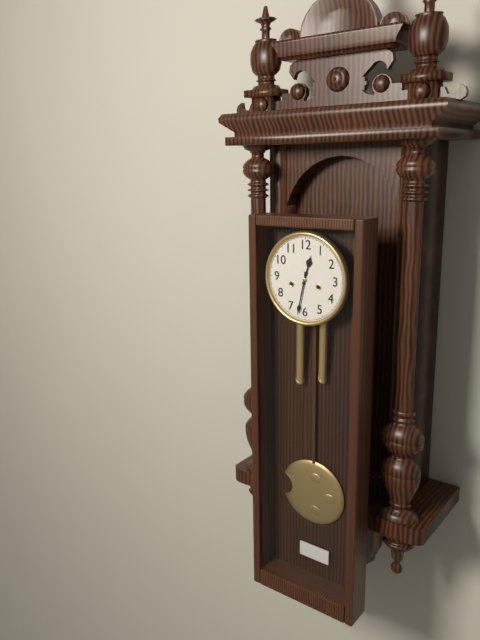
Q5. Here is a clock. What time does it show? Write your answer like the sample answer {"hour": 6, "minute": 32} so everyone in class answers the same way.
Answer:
{"hour": 12, "minute": 32}
